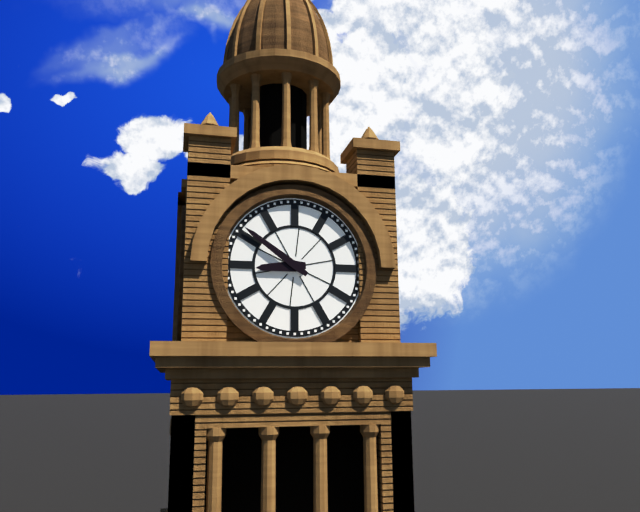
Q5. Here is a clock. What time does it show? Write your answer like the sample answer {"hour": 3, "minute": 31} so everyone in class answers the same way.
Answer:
{"hour": 8, "minute": 51}
